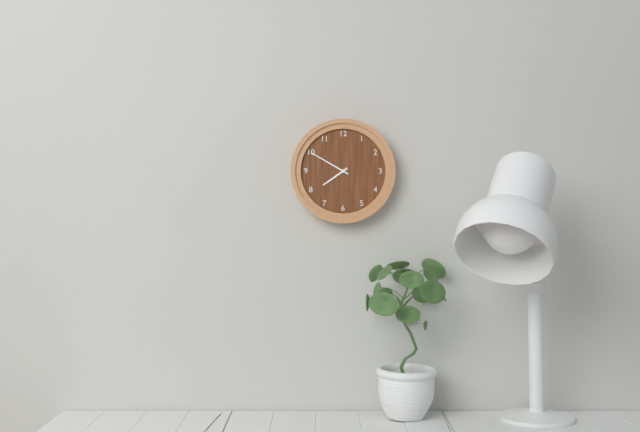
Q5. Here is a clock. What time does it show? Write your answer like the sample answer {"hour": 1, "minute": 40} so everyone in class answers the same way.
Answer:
{"hour": 7, "minute": 50}
